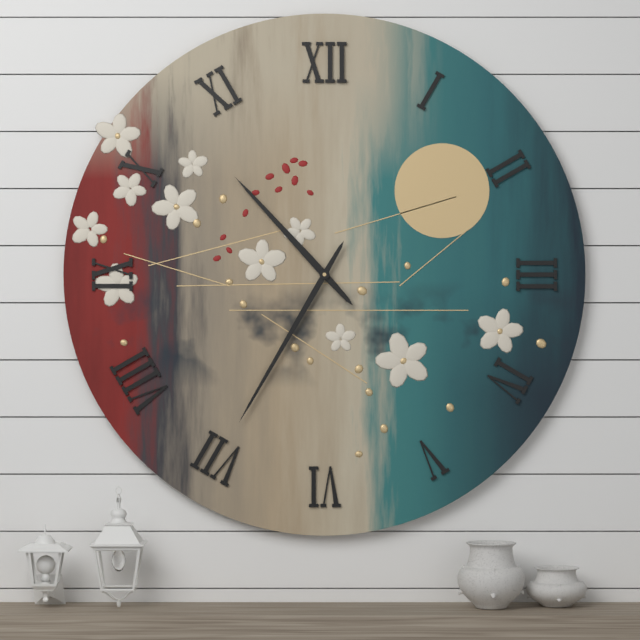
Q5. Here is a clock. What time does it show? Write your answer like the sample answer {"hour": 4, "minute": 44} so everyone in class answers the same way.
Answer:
{"hour": 10, "minute": 35}
